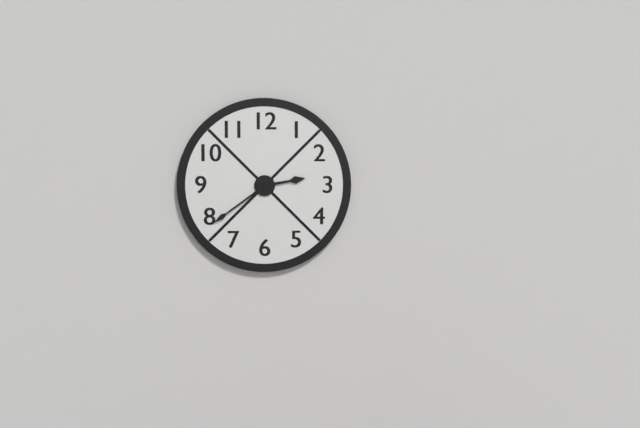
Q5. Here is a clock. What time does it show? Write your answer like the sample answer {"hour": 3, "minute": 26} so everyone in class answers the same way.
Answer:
{"hour": 2, "minute": 39}
